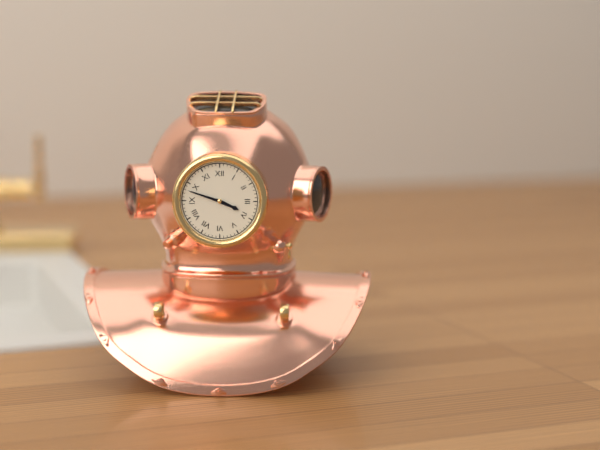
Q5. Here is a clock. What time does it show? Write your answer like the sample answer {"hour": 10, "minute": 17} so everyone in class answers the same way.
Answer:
{"hour": 3, "minute": 48}
